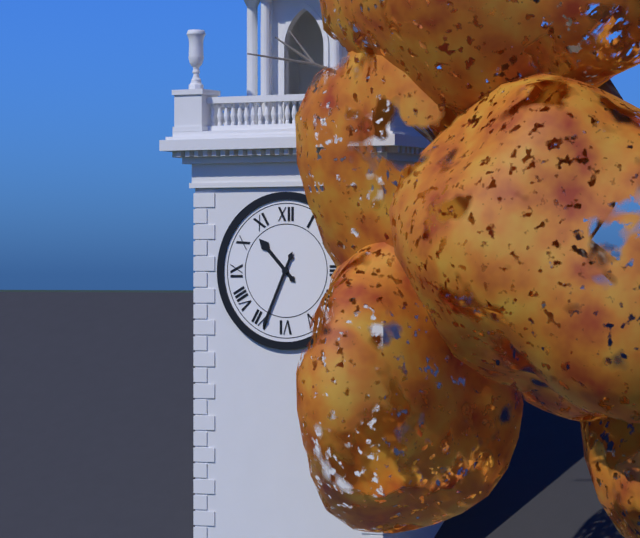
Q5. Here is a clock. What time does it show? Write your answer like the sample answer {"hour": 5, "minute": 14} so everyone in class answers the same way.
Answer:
{"hour": 10, "minute": 34}
